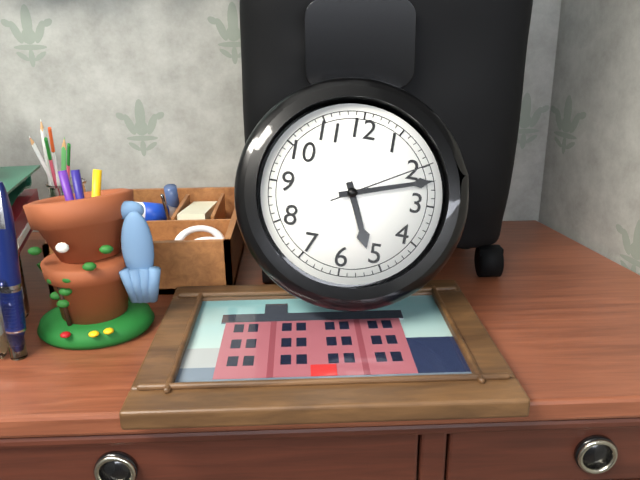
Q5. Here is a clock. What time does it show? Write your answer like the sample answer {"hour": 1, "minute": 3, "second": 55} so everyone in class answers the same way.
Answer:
{"hour": 5, "minute": 12, "second": 10}
